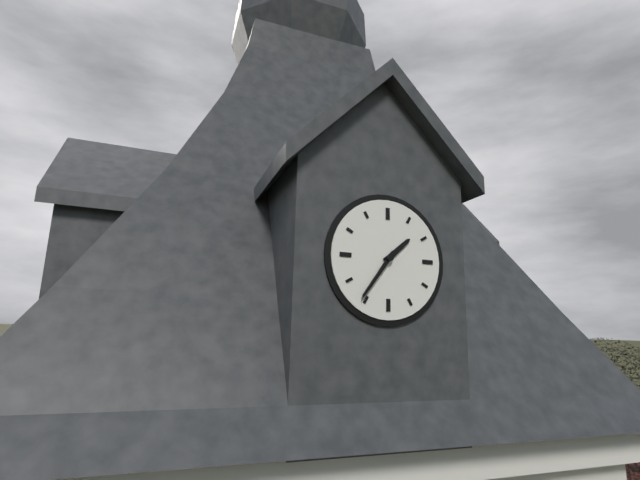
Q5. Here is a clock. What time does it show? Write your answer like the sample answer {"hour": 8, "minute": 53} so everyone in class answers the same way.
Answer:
{"hour": 1, "minute": 36}
